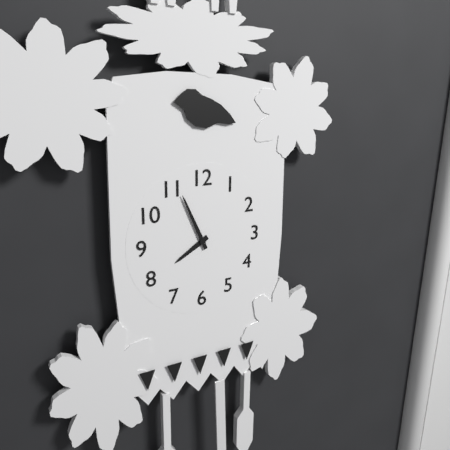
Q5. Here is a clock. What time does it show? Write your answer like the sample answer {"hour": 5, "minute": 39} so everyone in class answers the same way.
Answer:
{"hour": 7, "minute": 56}
